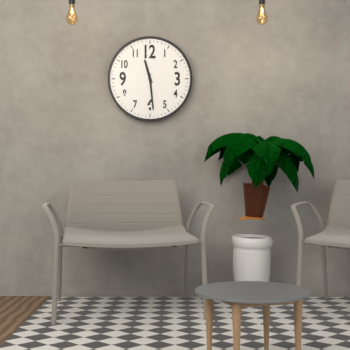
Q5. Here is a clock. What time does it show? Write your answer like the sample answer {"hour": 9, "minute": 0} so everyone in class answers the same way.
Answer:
{"hour": 11, "minute": 29}
